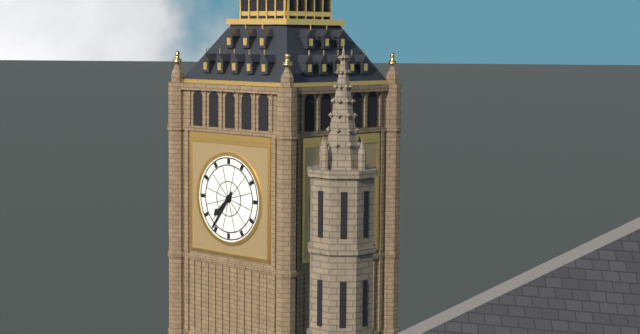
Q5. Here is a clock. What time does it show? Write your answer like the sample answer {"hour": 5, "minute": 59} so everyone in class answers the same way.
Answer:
{"hour": 7, "minute": 36}
